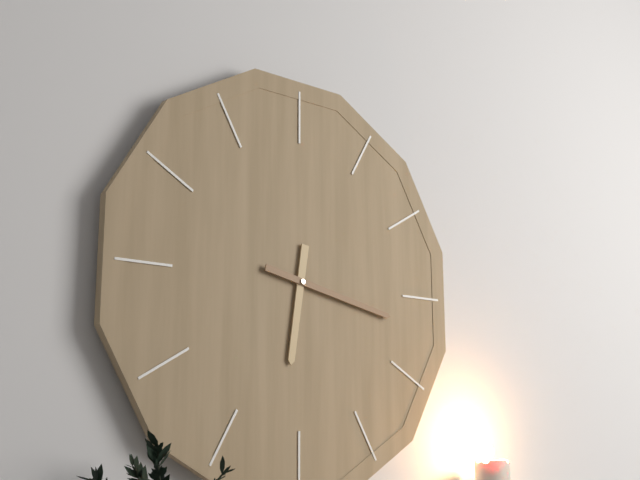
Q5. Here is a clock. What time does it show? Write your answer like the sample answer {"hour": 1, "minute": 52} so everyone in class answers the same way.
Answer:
{"hour": 6, "minute": 17}
